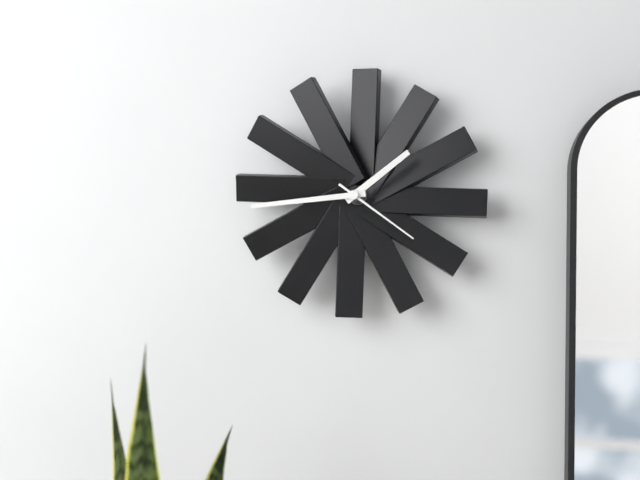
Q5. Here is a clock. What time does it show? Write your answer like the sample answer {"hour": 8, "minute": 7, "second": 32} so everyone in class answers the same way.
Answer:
{"hour": 1, "minute": 44, "second": 21}
